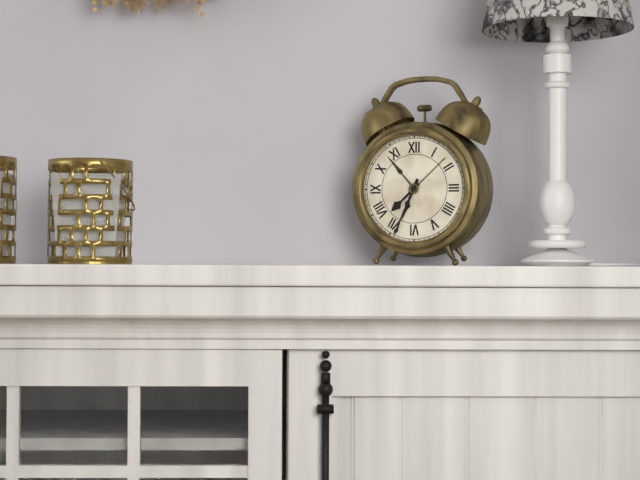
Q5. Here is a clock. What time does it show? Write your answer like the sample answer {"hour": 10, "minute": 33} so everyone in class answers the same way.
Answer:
{"hour": 7, "minute": 34}
